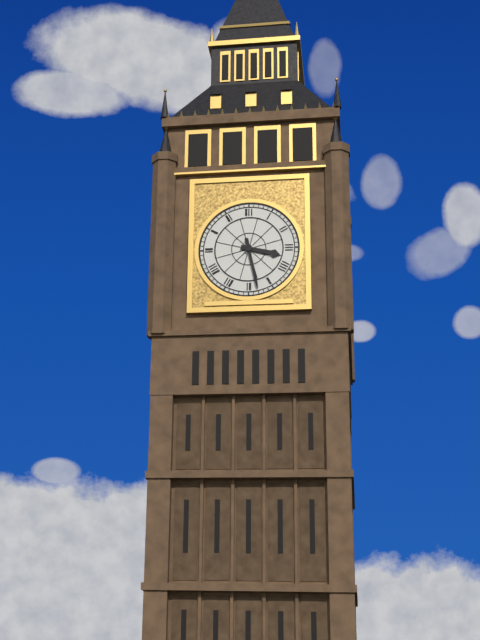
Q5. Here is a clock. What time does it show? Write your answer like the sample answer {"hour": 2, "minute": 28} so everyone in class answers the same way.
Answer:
{"hour": 3, "minute": 28}
